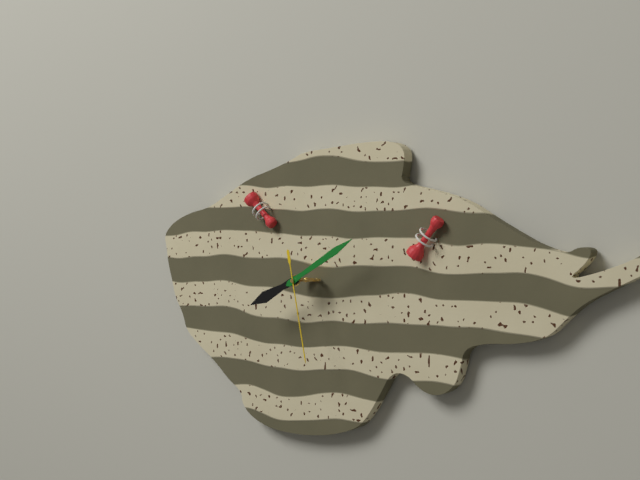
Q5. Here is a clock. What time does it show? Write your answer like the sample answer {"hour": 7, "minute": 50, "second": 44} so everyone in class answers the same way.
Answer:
{"hour": 8, "minute": 10, "second": 28}
